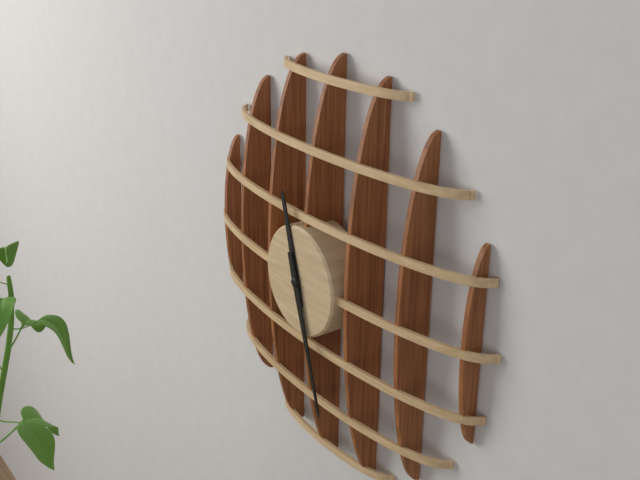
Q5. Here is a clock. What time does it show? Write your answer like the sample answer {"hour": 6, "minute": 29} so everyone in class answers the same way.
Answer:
{"hour": 11, "minute": 27}
